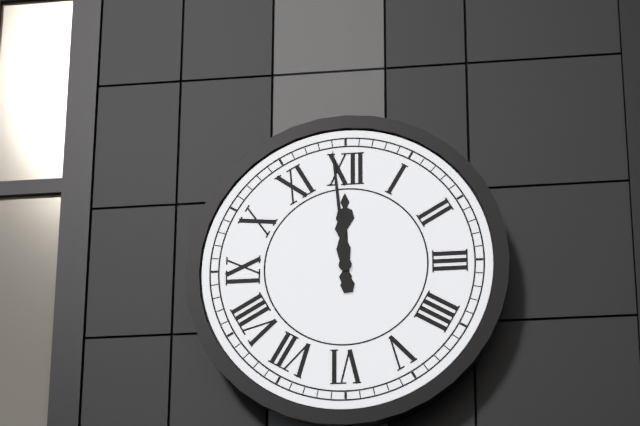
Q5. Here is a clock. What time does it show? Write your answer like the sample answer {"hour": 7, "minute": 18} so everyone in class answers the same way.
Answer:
{"hour": 11, "minute": 59}
